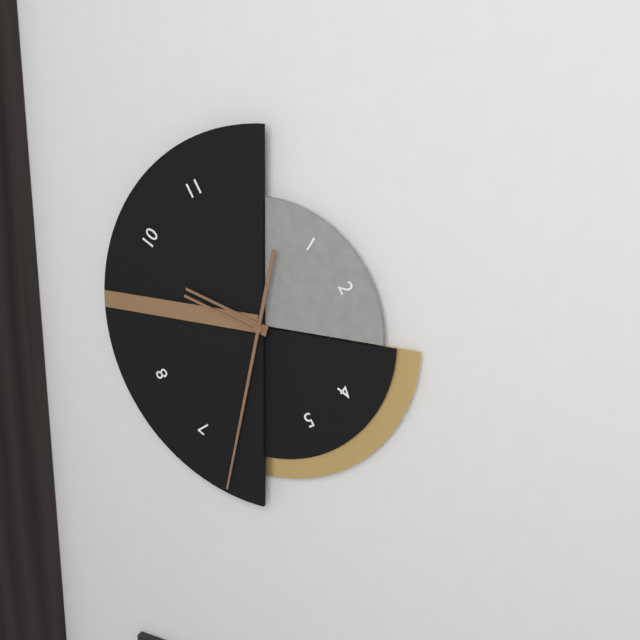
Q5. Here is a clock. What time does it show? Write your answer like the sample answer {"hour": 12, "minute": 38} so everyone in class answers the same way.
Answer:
{"hour": 9, "minute": 32}
